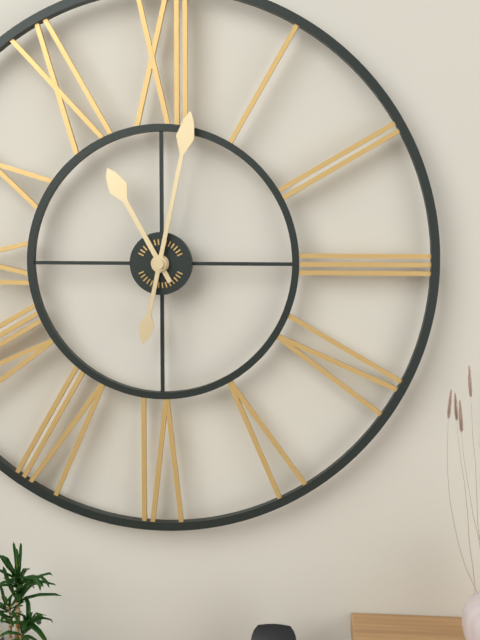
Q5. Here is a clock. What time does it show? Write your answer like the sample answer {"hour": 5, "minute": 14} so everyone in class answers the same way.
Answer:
{"hour": 11, "minute": 2}
